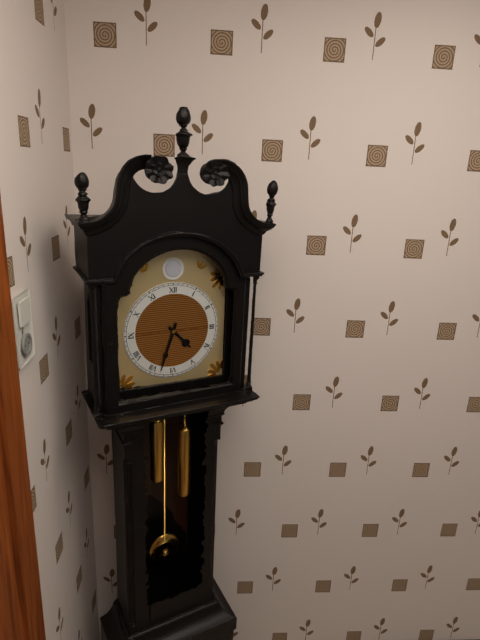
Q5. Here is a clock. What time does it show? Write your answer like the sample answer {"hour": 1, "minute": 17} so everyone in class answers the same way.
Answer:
{"hour": 4, "minute": 33}
